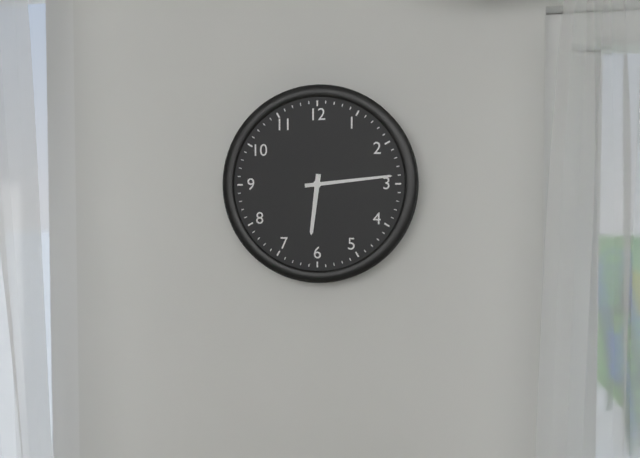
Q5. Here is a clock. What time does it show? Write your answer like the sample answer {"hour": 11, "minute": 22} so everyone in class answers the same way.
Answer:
{"hour": 6, "minute": 14}
